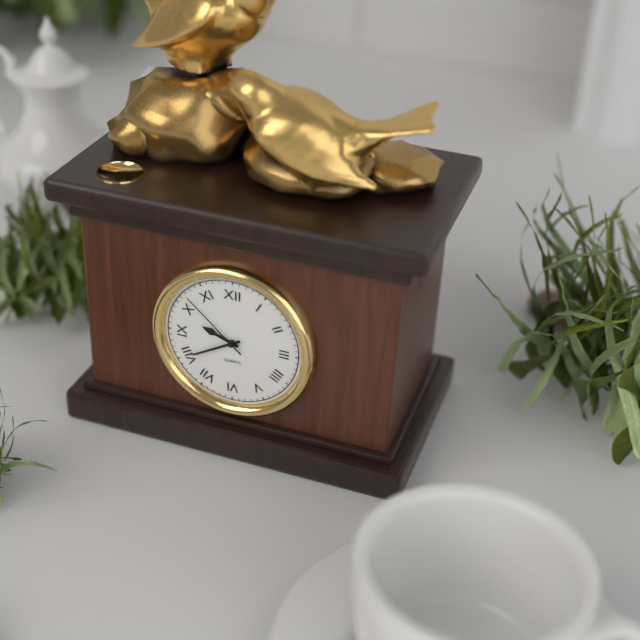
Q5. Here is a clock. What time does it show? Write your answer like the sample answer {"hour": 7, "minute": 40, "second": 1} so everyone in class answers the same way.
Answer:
{"hour": 9, "minute": 40, "second": 52}
